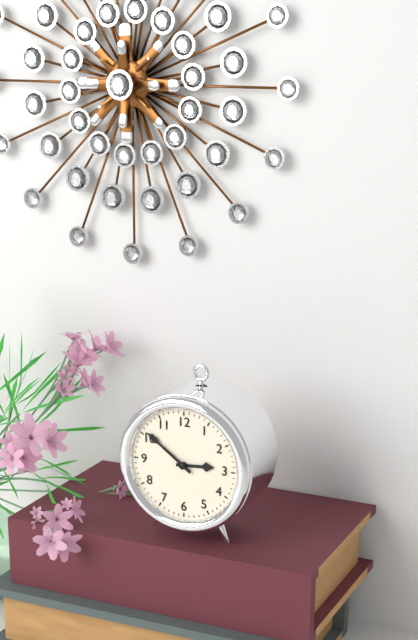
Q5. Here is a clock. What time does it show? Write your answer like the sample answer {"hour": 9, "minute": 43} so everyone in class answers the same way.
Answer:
{"hour": 2, "minute": 51}
